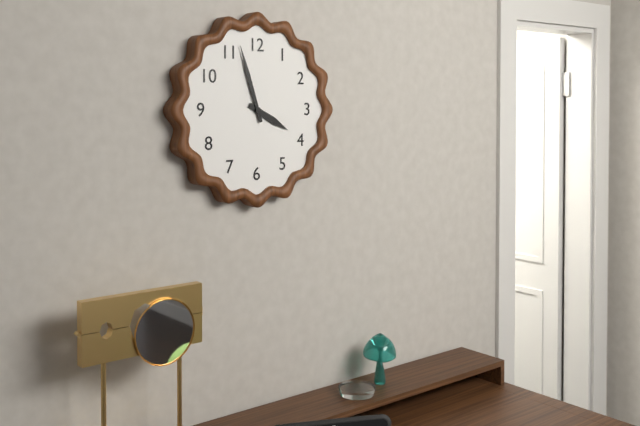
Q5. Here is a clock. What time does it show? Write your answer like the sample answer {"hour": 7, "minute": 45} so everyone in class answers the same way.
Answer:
{"hour": 3, "minute": 57}
